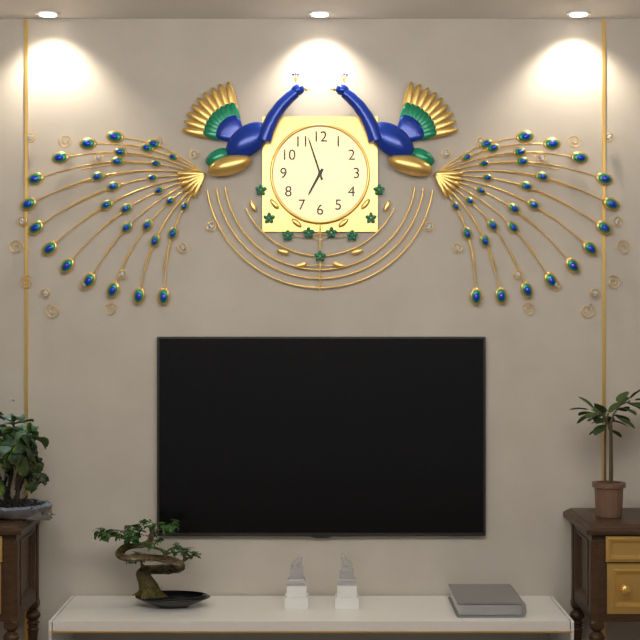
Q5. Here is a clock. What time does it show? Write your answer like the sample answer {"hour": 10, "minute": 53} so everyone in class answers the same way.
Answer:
{"hour": 6, "minute": 57}
